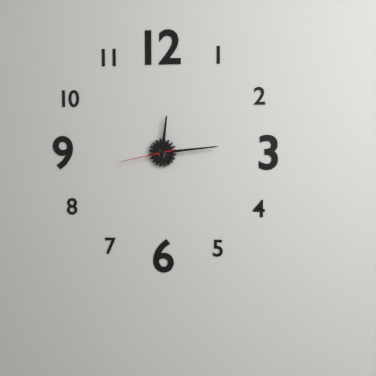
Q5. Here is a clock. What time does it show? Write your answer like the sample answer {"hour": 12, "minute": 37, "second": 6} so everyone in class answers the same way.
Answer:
{"hour": 12, "minute": 14, "second": 43}
